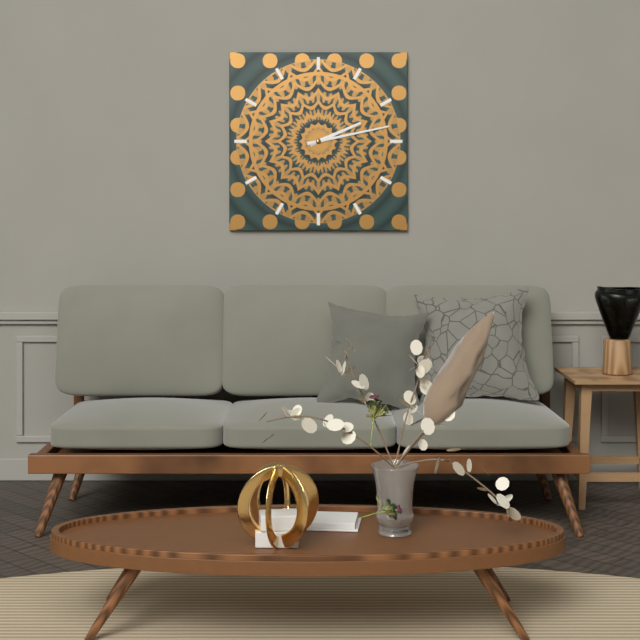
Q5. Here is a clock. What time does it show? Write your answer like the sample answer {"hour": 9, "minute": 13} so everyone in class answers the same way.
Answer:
{"hour": 2, "minute": 13}
